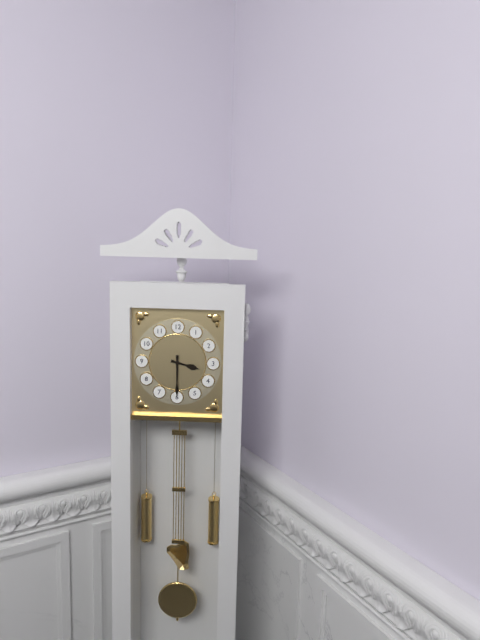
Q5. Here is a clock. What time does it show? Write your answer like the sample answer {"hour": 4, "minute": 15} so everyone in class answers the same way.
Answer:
{"hour": 3, "minute": 30}
